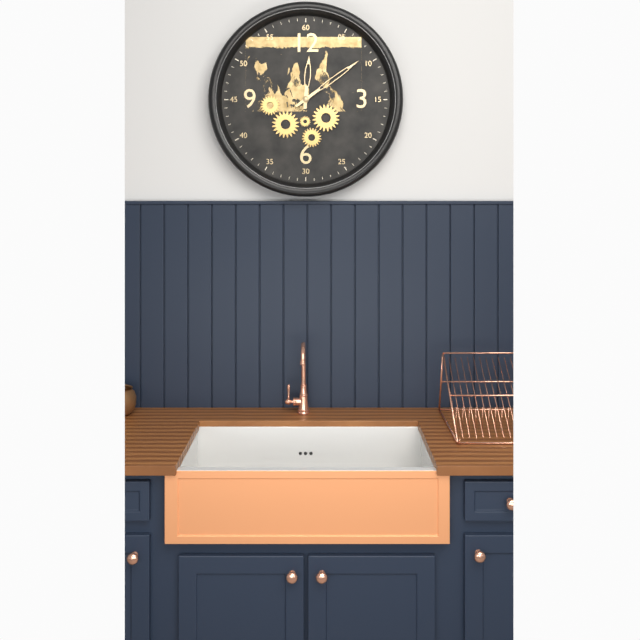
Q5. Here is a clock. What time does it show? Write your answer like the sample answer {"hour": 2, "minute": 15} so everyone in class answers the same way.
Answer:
{"hour": 12, "minute": 9}
